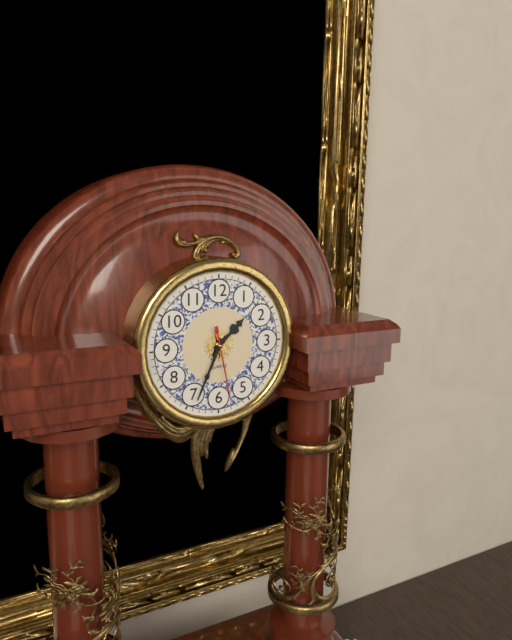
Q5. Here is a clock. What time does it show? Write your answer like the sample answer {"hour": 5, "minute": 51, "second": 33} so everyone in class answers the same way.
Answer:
{"hour": 1, "minute": 34, "second": 28}
